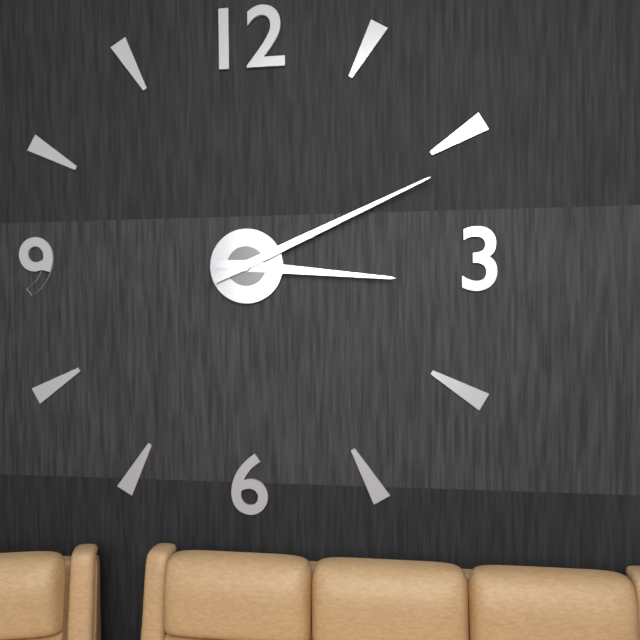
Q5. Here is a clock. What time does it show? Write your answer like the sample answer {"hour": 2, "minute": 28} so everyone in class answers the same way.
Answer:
{"hour": 3, "minute": 11}
